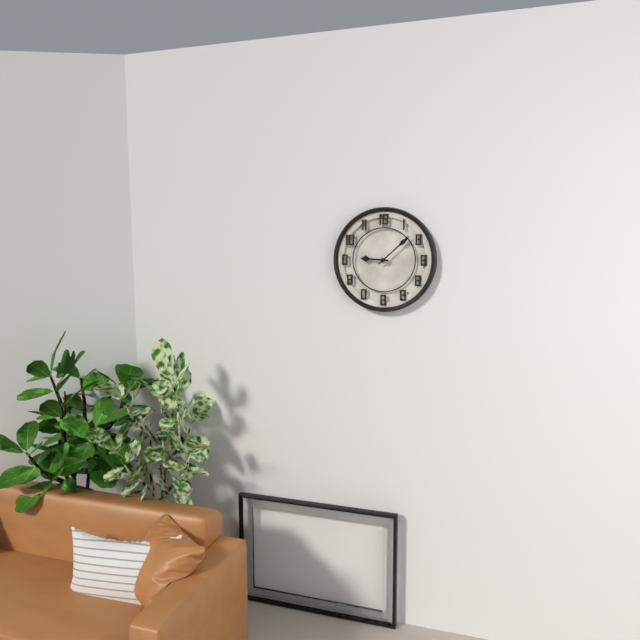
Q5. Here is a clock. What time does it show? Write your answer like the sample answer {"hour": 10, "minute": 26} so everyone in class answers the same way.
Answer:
{"hour": 9, "minute": 8}
